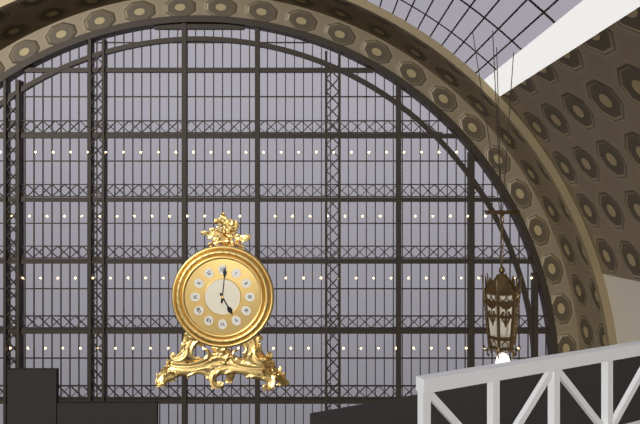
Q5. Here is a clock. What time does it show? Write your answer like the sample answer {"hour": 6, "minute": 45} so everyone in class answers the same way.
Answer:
{"hour": 5, "minute": 1}
